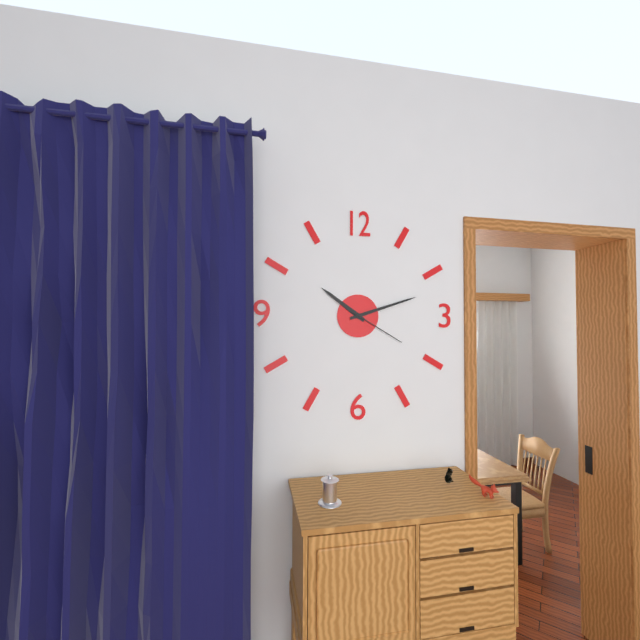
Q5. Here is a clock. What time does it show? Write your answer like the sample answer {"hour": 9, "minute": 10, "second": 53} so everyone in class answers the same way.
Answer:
{"hour": 10, "minute": 12, "second": 20}
